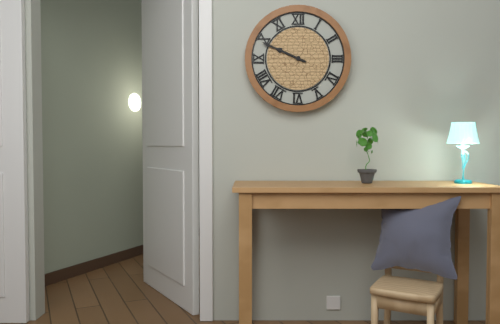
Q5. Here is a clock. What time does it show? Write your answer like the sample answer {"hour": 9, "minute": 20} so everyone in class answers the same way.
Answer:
{"hour": 9, "minute": 49}
